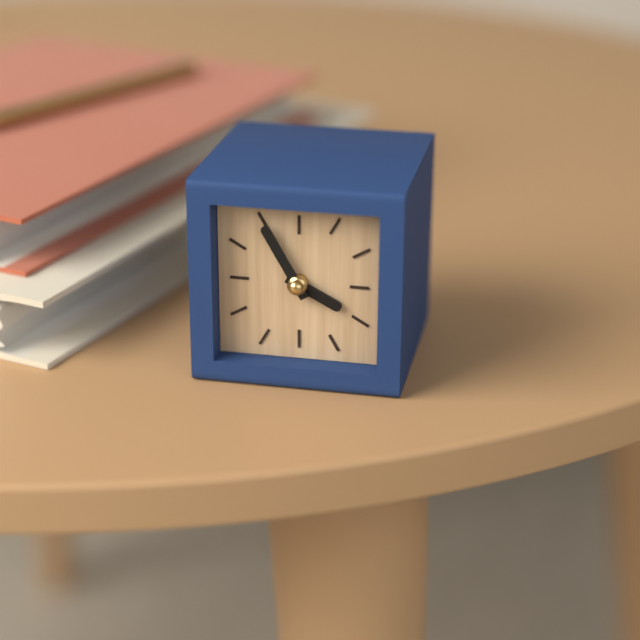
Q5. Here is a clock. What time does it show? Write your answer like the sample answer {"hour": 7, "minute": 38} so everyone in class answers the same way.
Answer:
{"hour": 3, "minute": 55}
